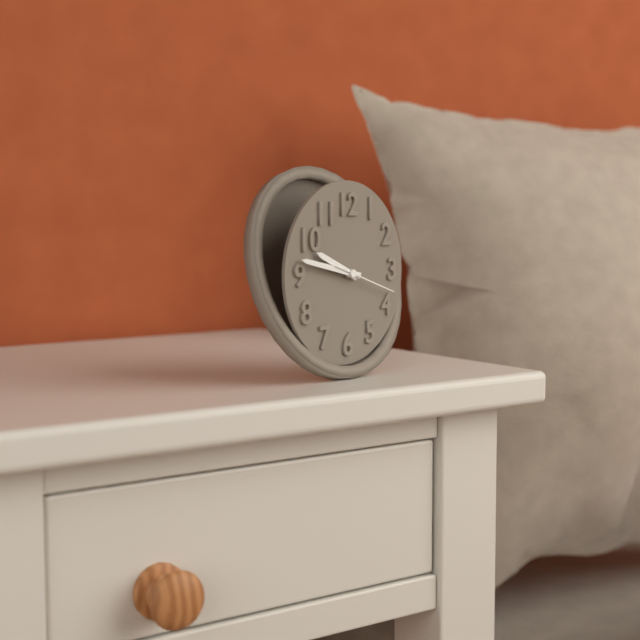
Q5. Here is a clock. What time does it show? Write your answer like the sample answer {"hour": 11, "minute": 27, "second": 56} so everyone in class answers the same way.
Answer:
{"hour": 9, "minute": 47, "second": 18}
